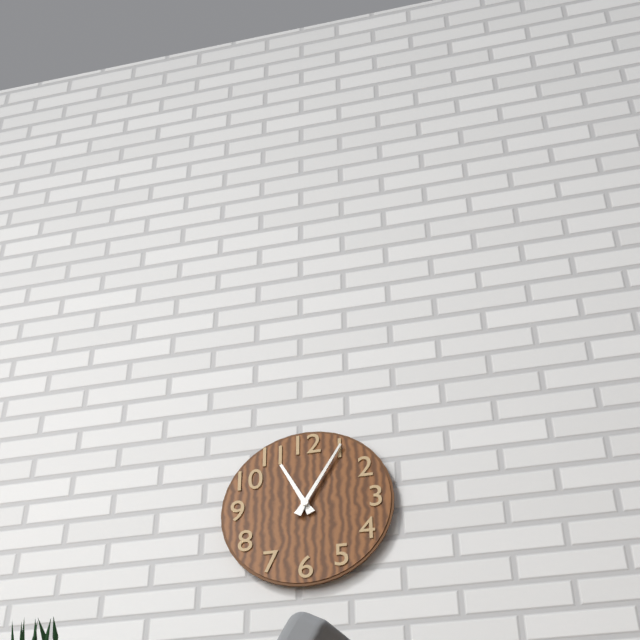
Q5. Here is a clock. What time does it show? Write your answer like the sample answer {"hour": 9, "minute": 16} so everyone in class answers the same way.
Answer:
{"hour": 11, "minute": 5}
